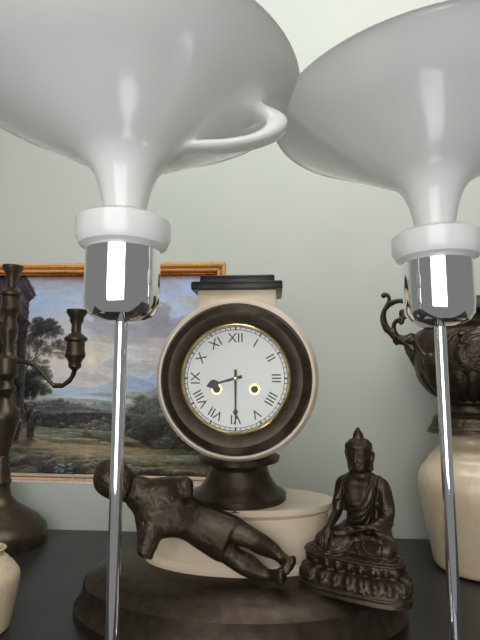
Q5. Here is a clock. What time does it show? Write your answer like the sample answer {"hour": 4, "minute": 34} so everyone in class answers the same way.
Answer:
{"hour": 8, "minute": 30}
